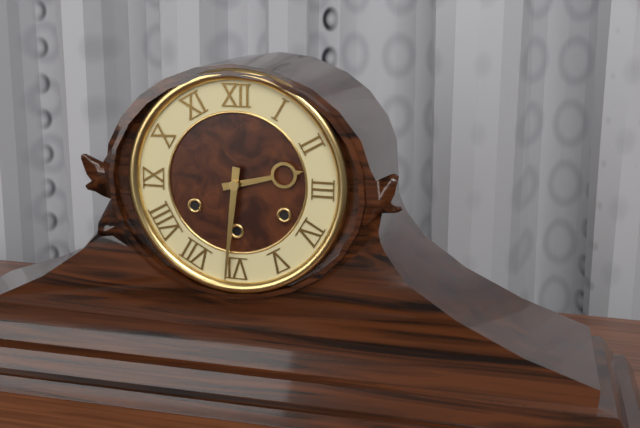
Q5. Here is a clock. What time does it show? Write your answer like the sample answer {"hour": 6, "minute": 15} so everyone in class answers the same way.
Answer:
{"hour": 2, "minute": 31}
